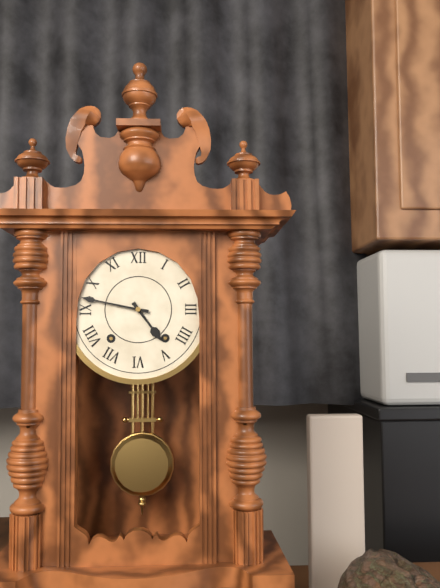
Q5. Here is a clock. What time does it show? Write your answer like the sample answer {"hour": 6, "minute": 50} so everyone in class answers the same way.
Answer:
{"hour": 4, "minute": 47}
